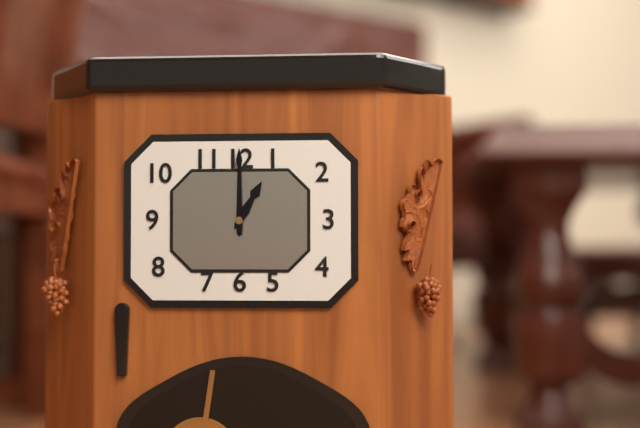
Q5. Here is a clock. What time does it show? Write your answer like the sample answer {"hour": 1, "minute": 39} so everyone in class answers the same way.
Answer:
{"hour": 1, "minute": 0}
